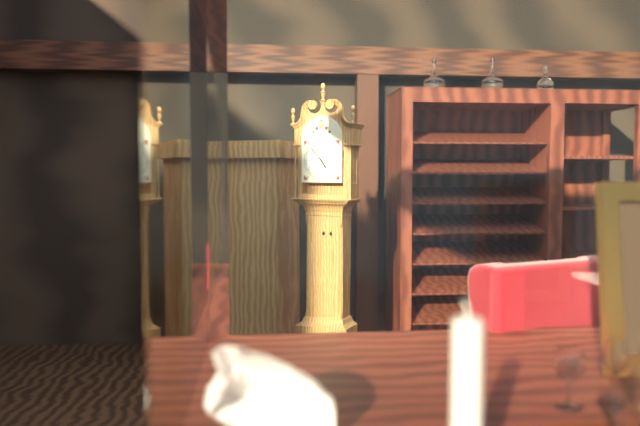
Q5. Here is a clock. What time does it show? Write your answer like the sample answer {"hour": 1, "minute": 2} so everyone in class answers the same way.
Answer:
{"hour": 4, "minute": 53}
